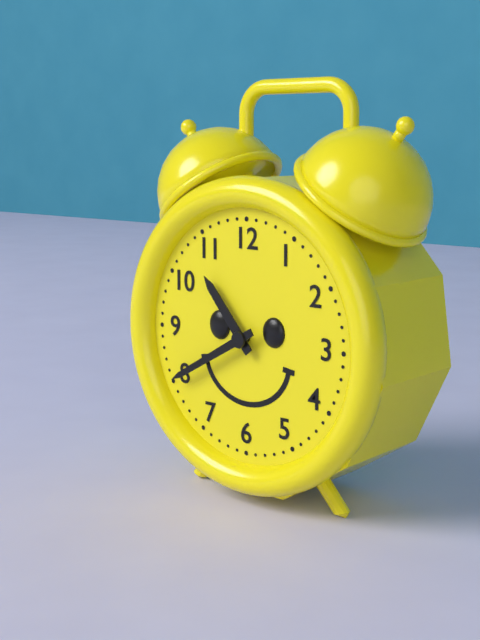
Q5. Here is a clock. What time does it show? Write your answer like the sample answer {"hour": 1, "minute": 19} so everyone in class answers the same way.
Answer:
{"hour": 10, "minute": 40}
